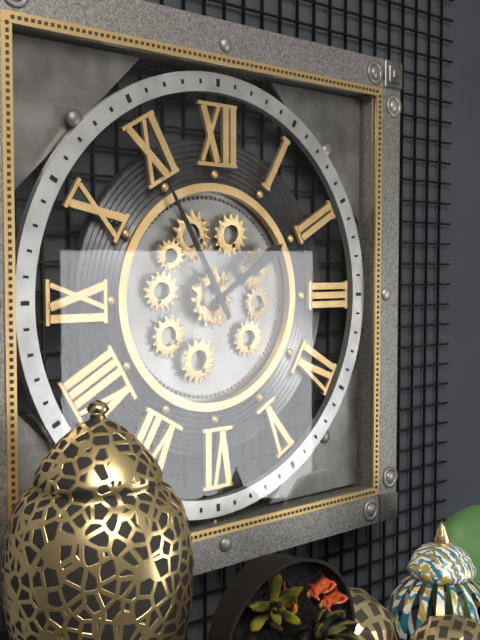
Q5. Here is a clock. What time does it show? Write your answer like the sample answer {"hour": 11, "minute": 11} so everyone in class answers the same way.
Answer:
{"hour": 1, "minute": 55}
